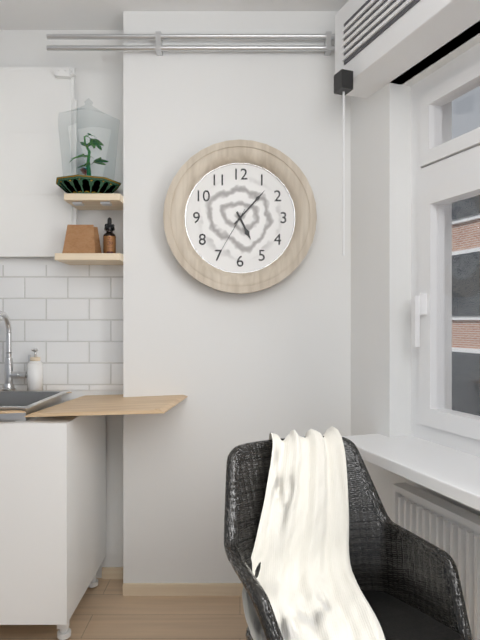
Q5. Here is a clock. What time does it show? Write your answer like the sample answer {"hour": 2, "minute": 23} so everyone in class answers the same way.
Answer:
{"hour": 5, "minute": 7}
